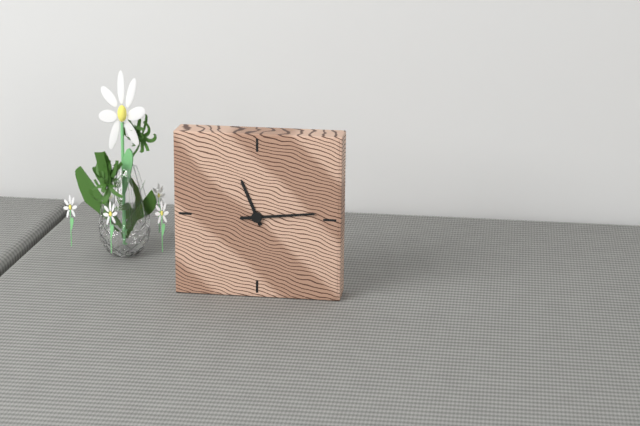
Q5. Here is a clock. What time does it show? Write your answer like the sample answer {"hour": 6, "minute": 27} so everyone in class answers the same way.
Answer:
{"hour": 11, "minute": 14}
